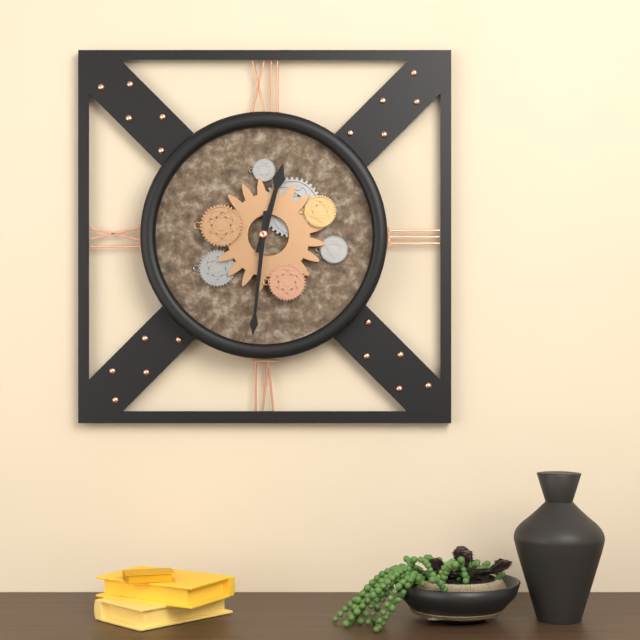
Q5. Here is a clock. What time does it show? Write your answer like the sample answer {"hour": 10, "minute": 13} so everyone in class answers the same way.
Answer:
{"hour": 12, "minute": 31}
